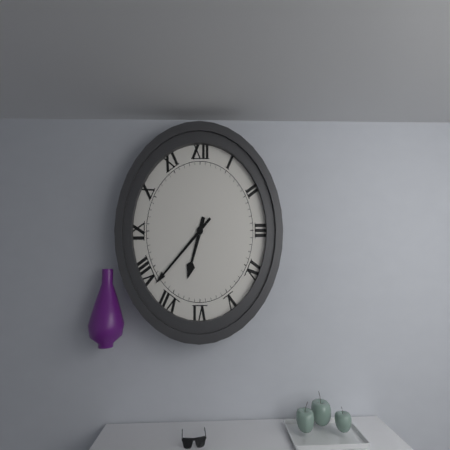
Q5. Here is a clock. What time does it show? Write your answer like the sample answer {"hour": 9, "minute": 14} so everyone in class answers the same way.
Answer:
{"hour": 6, "minute": 38}
